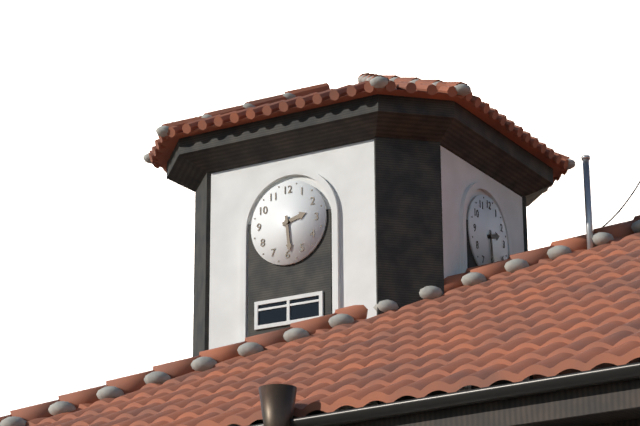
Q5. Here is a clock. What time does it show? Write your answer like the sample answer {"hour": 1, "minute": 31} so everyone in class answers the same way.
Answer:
{"hour": 2, "minute": 29}
